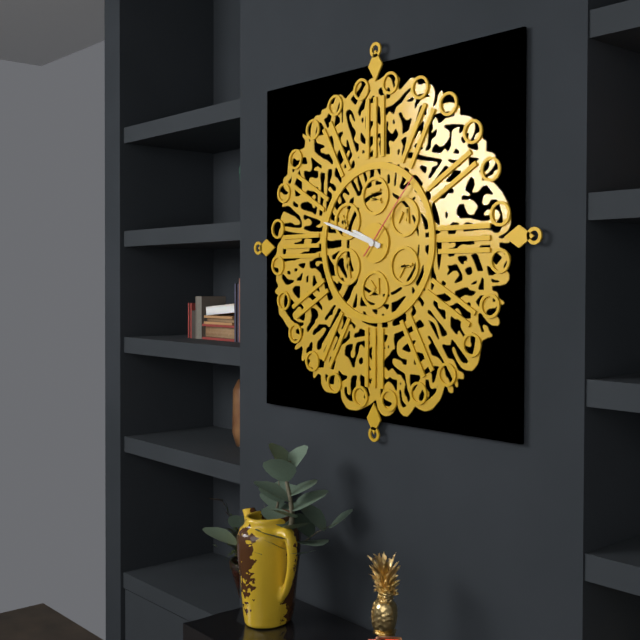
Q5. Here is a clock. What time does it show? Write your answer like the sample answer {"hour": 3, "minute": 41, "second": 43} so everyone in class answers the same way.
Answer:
{"hour": 9, "minute": 48, "second": 7}
